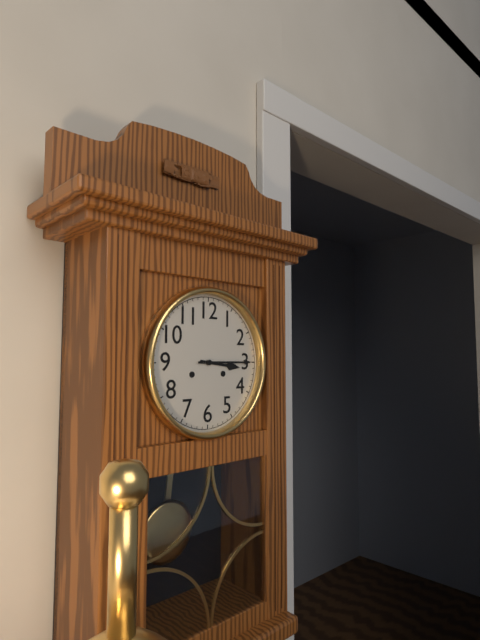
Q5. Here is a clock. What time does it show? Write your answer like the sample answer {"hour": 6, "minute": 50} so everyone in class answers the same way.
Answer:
{"hour": 3, "minute": 15}
